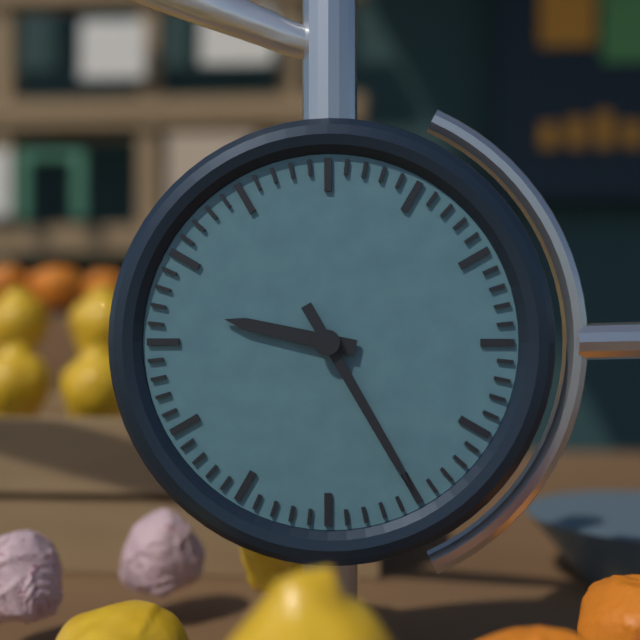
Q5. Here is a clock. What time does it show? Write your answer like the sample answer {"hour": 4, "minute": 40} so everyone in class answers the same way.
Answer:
{"hour": 9, "minute": 25}
